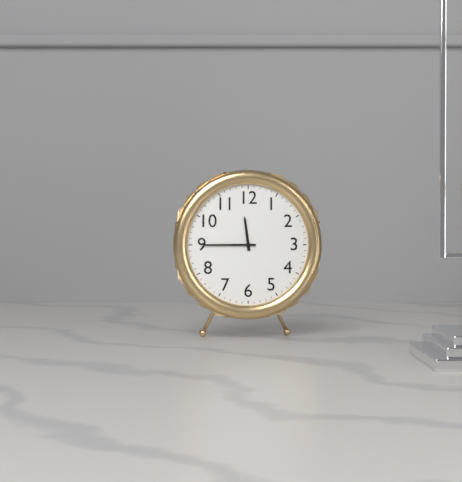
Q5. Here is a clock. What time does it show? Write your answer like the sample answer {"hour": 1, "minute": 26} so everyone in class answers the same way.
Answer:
{"hour": 11, "minute": 45}
